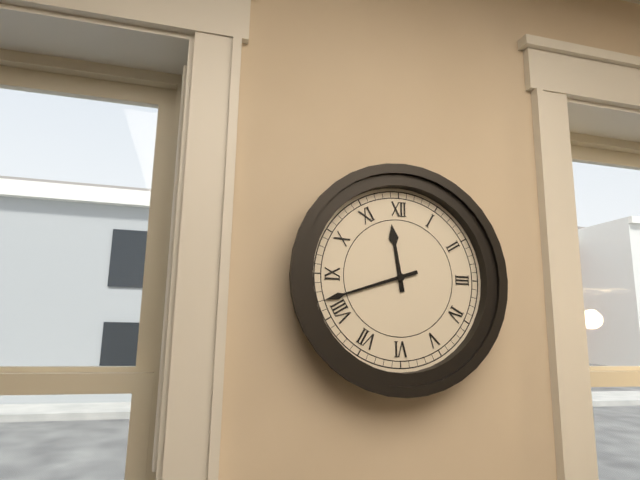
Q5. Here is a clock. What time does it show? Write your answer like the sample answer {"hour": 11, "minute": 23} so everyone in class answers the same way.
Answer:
{"hour": 11, "minute": 42}
